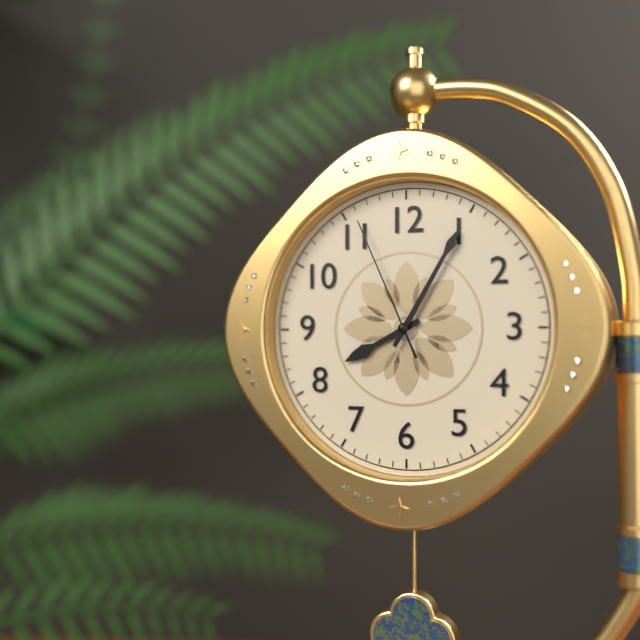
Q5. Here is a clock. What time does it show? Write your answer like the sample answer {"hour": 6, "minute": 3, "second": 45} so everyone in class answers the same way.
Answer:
{"hour": 8, "minute": 5, "second": 56}
